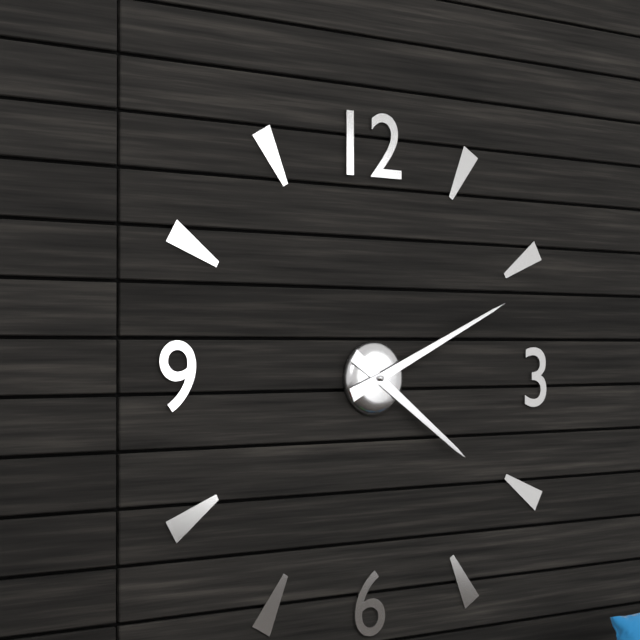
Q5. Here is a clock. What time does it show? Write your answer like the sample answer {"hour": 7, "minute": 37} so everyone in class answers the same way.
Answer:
{"hour": 4, "minute": 11}
